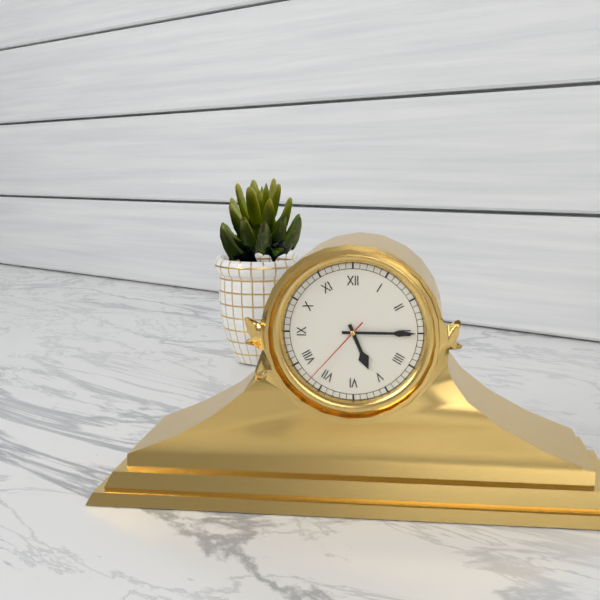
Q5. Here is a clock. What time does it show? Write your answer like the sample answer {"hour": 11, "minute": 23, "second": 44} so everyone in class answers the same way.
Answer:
{"hour": 5, "minute": 15, "second": 37}
